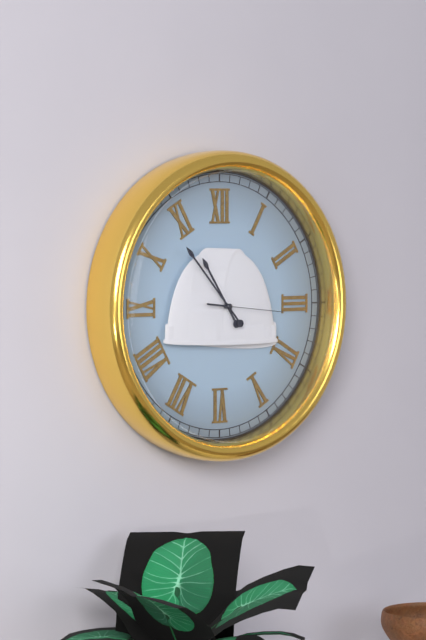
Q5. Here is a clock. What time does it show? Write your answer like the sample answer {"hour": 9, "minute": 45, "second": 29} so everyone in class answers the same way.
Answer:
{"hour": 10, "minute": 53, "second": 16}
